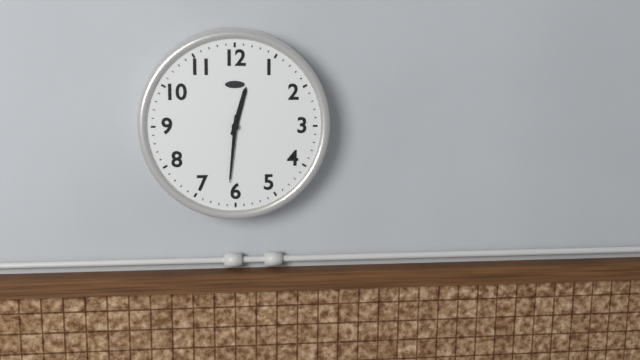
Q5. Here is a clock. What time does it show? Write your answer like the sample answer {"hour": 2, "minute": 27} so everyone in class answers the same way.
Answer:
{"hour": 12, "minute": 31}
